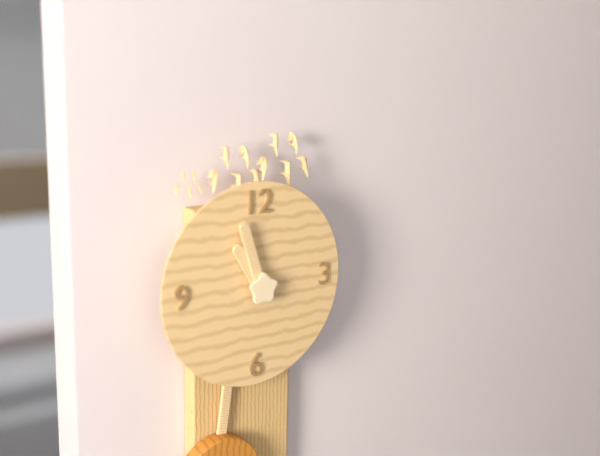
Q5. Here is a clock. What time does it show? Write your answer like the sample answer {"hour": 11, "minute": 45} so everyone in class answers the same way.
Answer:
{"hour": 10, "minute": 57}
